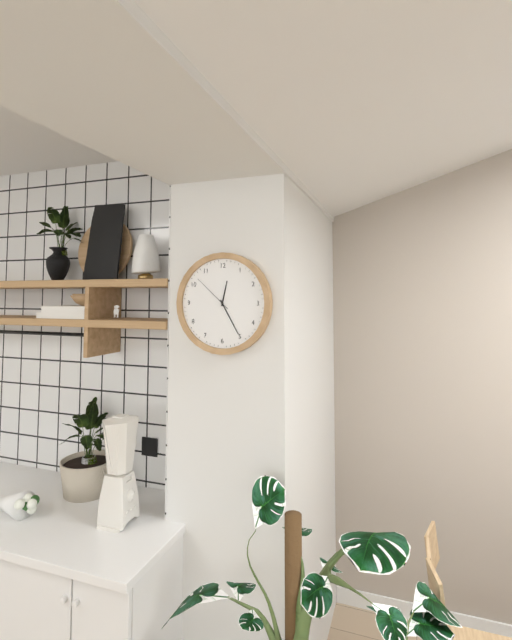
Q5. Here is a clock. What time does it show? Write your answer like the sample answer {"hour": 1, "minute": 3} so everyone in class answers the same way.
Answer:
{"hour": 12, "minute": 25}
